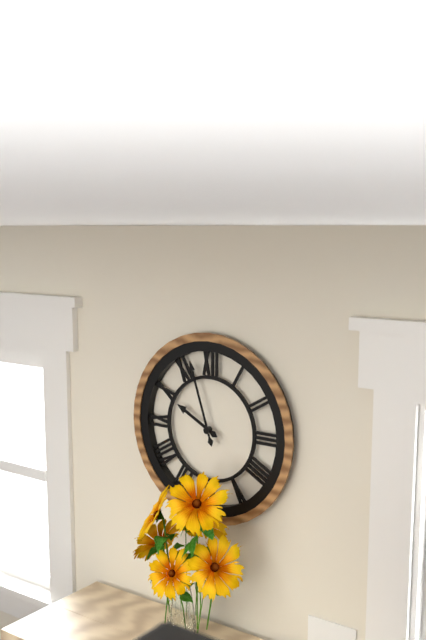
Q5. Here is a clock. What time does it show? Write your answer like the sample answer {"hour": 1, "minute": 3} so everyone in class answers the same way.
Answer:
{"hour": 9, "minute": 57}
